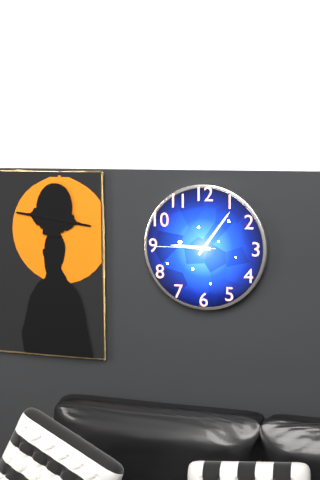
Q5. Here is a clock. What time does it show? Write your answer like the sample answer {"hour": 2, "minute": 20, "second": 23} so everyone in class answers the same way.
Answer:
{"hour": 9, "minute": 6, "second": 45}
